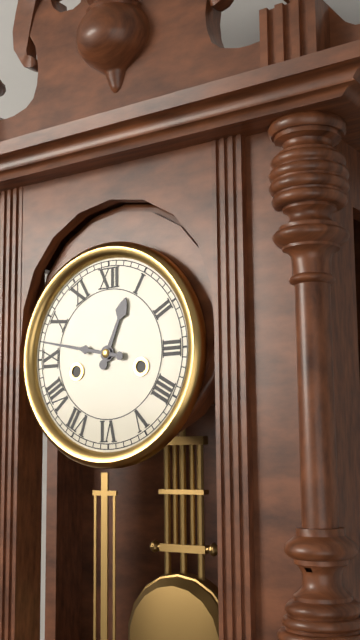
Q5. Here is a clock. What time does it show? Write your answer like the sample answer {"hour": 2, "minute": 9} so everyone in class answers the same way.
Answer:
{"hour": 12, "minute": 47}
